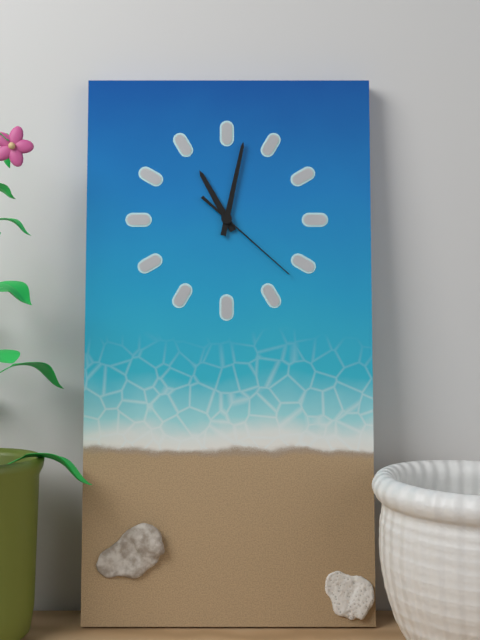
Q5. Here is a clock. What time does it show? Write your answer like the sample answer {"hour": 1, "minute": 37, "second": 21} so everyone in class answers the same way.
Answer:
{"hour": 11, "minute": 2, "second": 22}
